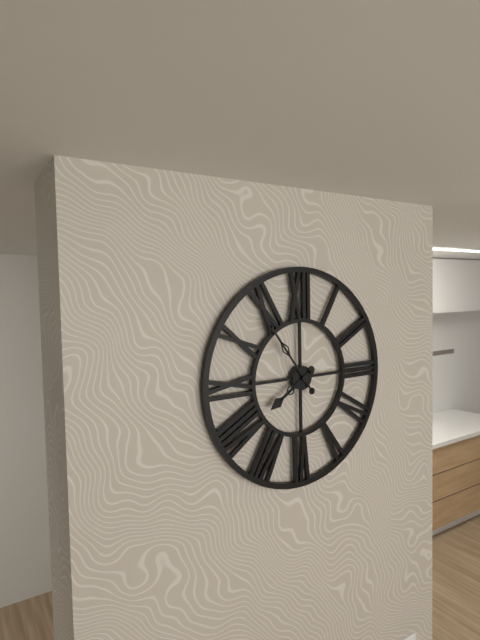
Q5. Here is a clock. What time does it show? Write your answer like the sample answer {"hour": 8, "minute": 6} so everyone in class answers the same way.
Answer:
{"hour": 7, "minute": 54}
